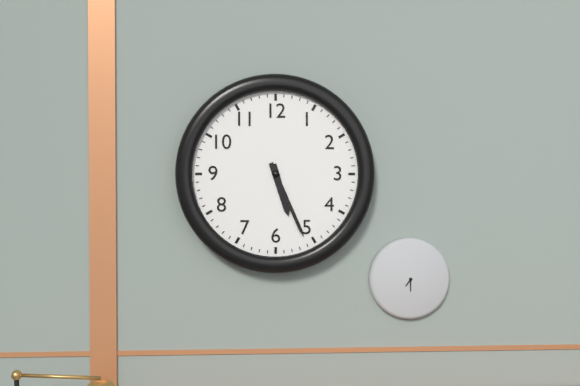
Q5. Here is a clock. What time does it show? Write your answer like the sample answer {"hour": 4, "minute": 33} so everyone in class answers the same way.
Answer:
{"hour": 5, "minute": 26}
